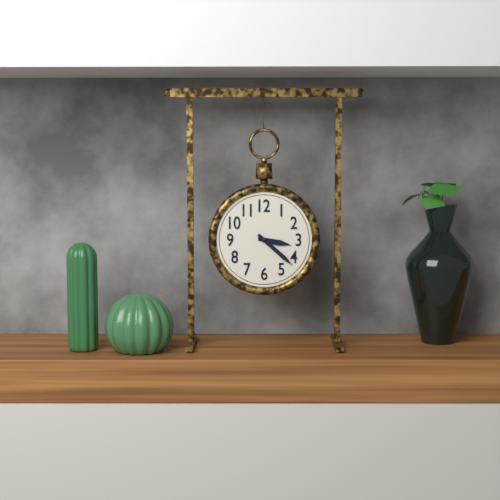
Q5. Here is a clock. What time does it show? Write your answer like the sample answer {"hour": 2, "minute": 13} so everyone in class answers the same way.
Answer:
{"hour": 3, "minute": 22}
